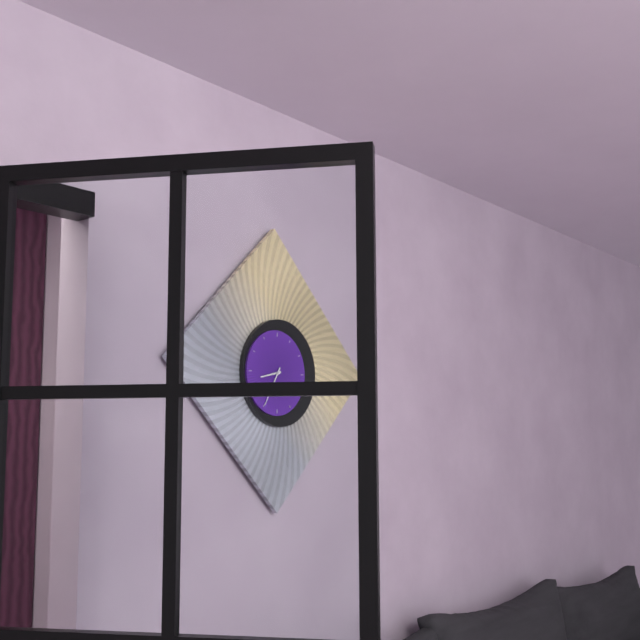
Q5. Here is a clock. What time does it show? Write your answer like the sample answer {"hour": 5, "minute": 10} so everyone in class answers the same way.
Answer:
{"hour": 8, "minute": 35}
